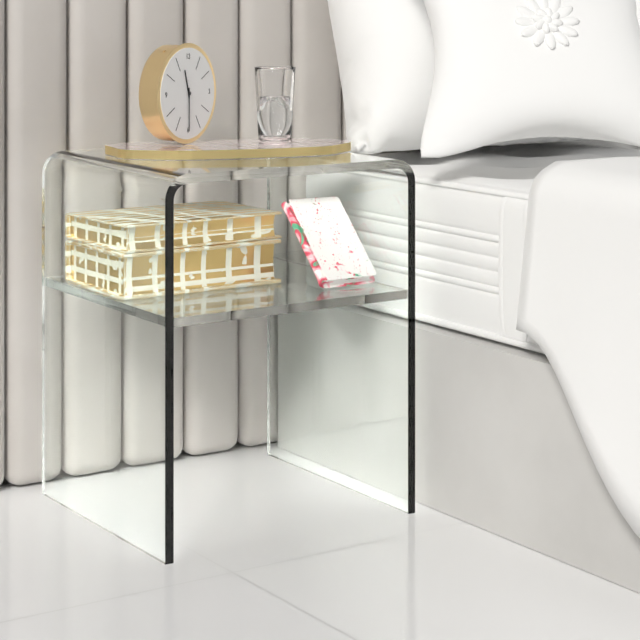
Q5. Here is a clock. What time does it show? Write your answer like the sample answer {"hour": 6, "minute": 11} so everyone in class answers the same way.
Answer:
{"hour": 11, "minute": 30}
